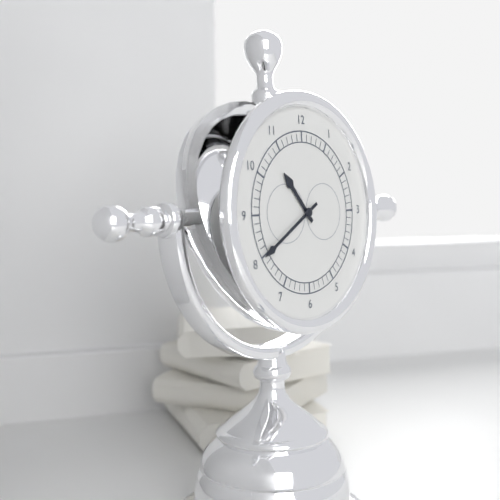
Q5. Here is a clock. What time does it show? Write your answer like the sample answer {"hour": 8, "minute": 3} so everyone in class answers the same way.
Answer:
{"hour": 10, "minute": 40}
